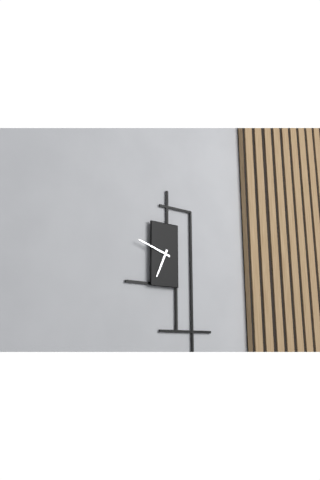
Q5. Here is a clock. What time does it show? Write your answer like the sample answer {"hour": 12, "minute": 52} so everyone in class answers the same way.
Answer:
{"hour": 6, "minute": 48}
